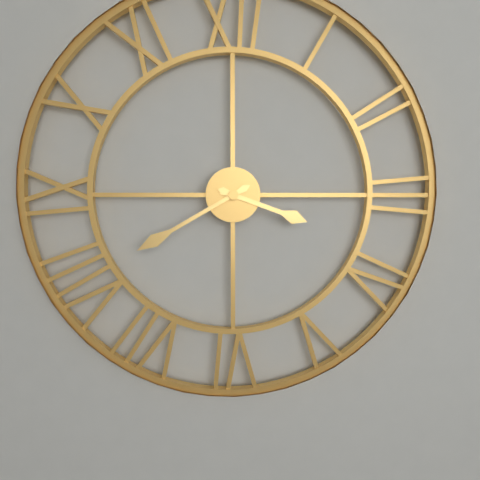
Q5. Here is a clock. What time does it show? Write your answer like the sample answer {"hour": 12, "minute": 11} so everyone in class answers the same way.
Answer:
{"hour": 3, "minute": 40}
